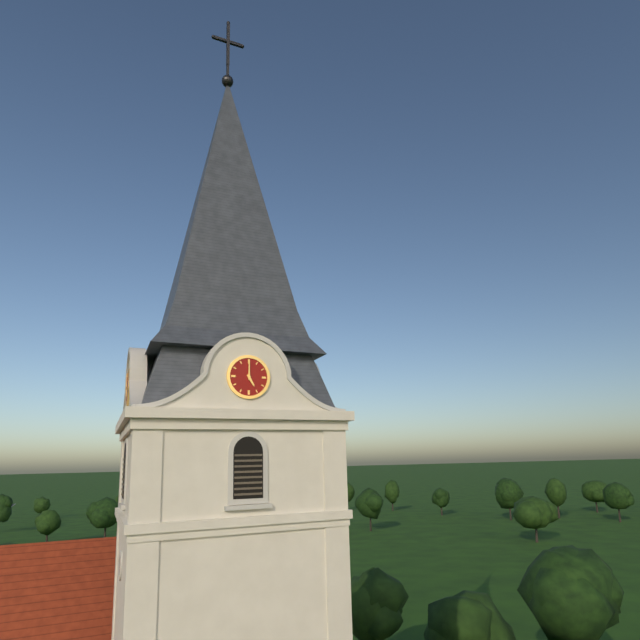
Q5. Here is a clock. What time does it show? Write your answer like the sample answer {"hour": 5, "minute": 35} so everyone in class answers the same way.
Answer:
{"hour": 5, "minute": 0}
